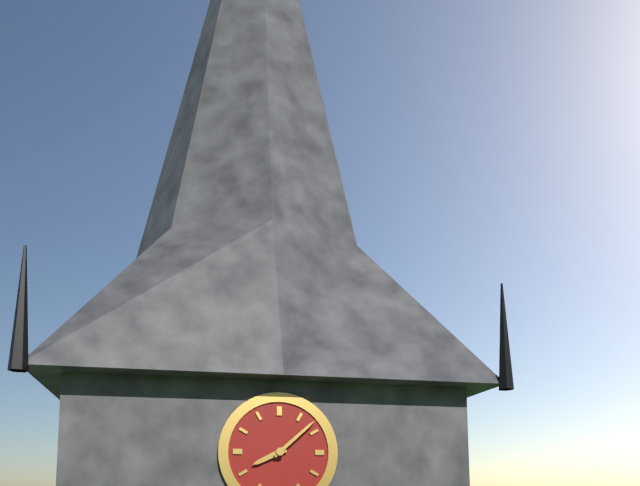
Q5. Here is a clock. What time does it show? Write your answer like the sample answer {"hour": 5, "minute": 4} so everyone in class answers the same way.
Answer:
{"hour": 8, "minute": 8}
